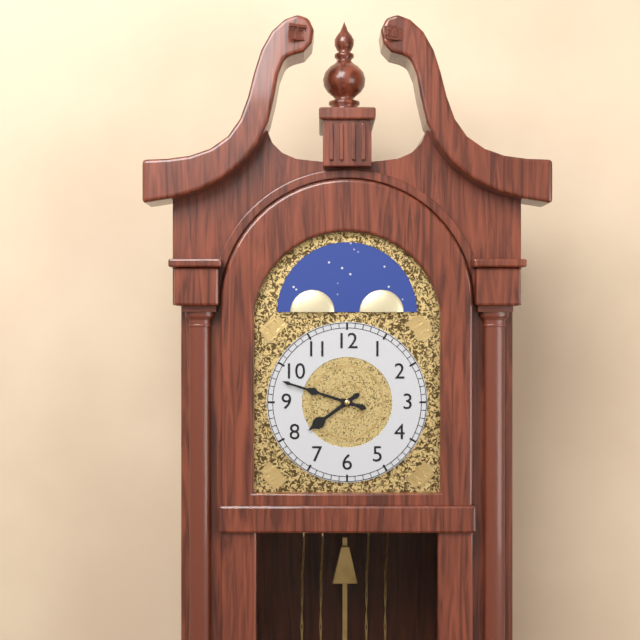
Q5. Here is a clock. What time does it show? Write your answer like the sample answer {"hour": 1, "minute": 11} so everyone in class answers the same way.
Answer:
{"hour": 7, "minute": 48}
